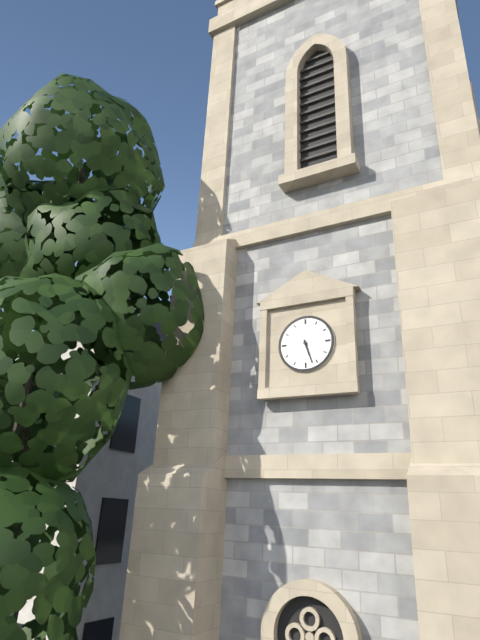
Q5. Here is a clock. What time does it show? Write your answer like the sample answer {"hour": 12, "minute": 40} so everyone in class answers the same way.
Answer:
{"hour": 5, "minute": 27}
